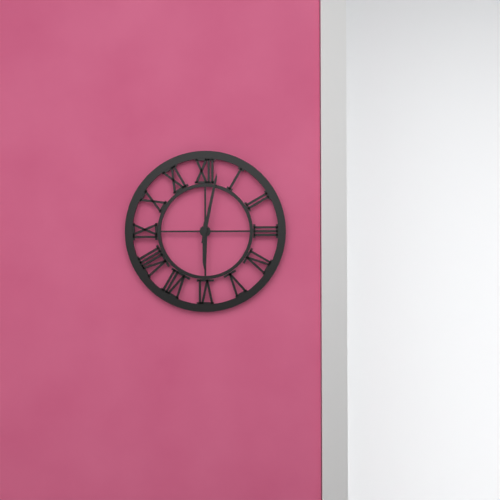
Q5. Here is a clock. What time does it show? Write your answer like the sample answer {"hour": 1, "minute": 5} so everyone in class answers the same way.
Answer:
{"hour": 6, "minute": 2}
